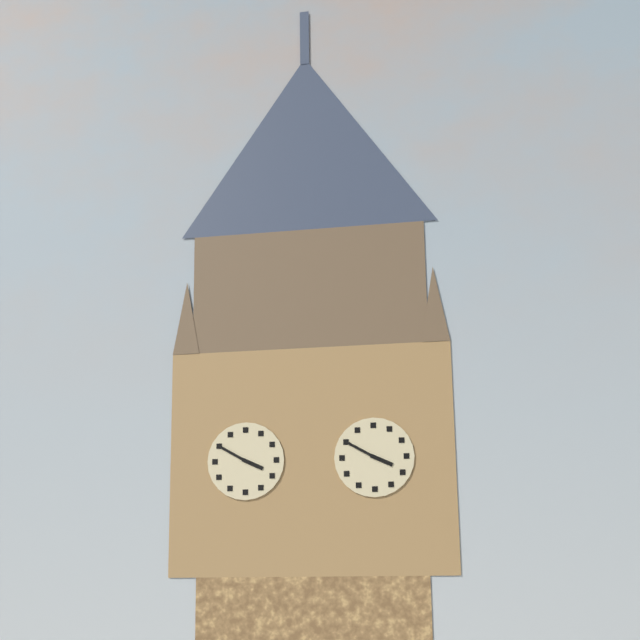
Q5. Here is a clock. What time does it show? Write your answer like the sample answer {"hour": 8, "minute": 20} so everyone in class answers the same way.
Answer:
{"hour": 3, "minute": 50}
